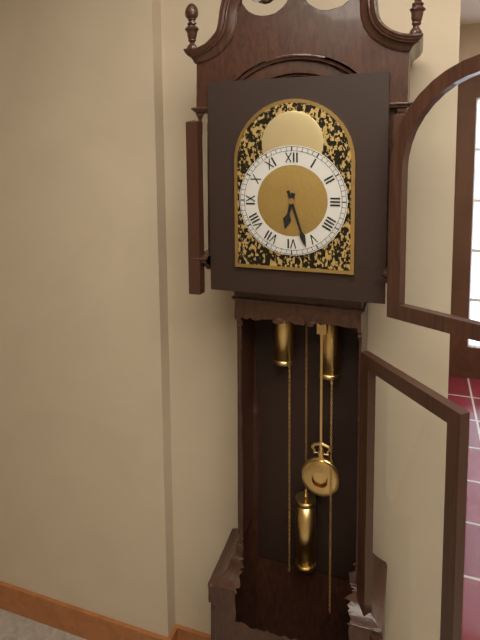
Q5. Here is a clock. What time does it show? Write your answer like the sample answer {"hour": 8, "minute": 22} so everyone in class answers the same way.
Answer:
{"hour": 6, "minute": 27}
